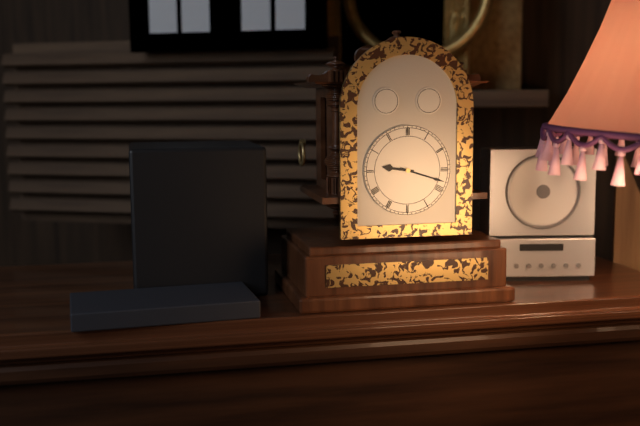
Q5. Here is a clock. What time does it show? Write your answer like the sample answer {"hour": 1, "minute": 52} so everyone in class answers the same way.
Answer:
{"hour": 9, "minute": 18}
